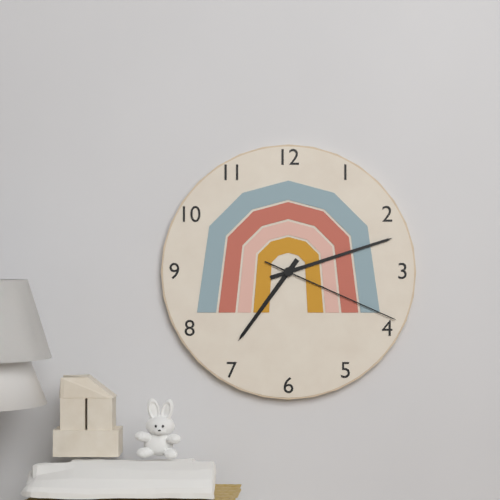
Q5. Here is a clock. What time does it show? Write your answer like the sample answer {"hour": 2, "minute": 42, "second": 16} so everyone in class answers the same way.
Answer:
{"hour": 7, "minute": 12, "second": 19}
